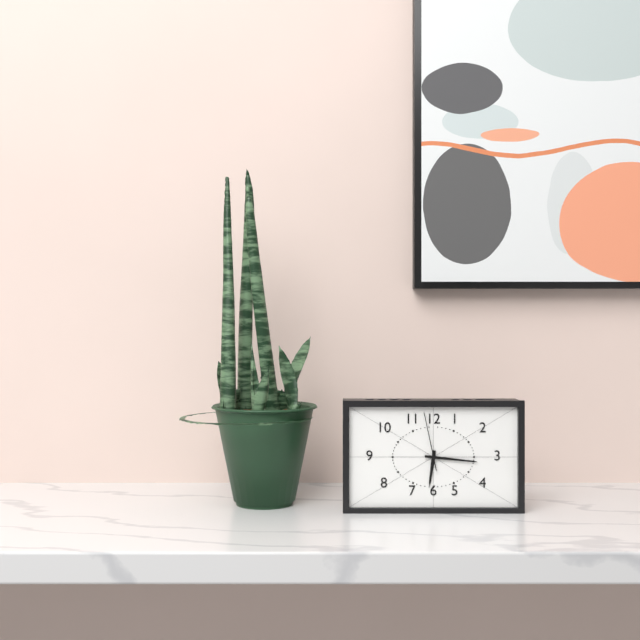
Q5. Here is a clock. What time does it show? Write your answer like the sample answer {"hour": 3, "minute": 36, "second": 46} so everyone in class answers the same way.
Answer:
{"hour": 6, "minute": 16, "second": 58}
